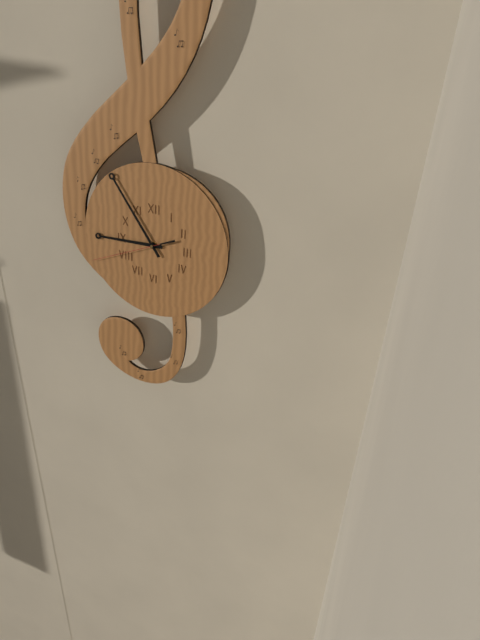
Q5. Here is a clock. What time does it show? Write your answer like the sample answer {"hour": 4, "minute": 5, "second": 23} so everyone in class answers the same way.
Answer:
{"hour": 8, "minute": 54, "second": 41}
